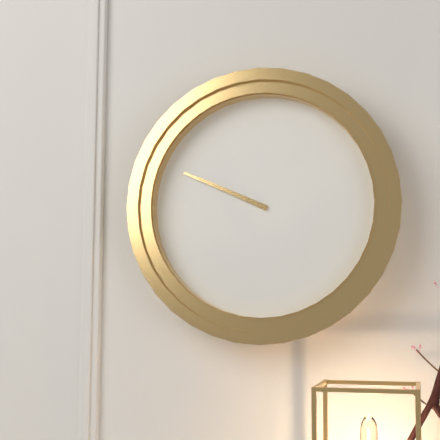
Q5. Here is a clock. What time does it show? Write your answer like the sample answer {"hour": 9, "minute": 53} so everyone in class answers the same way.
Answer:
{"hour": 9, "minute": 49}
